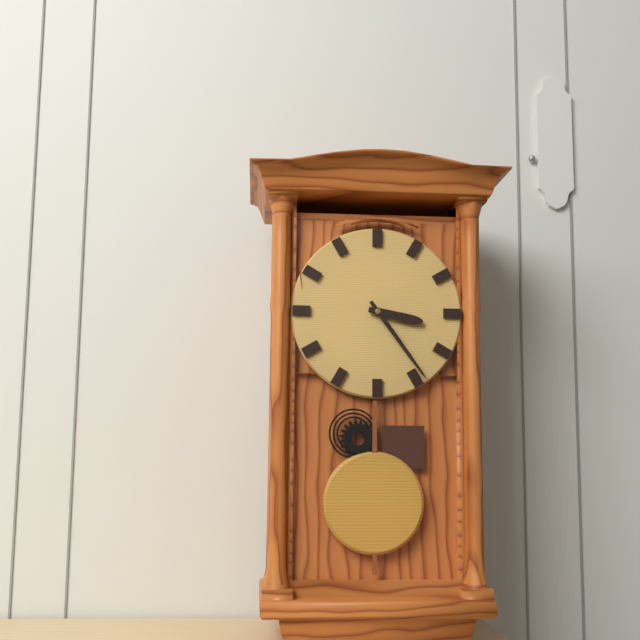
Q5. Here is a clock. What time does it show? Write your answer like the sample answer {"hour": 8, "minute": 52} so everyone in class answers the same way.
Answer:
{"hour": 3, "minute": 24}
